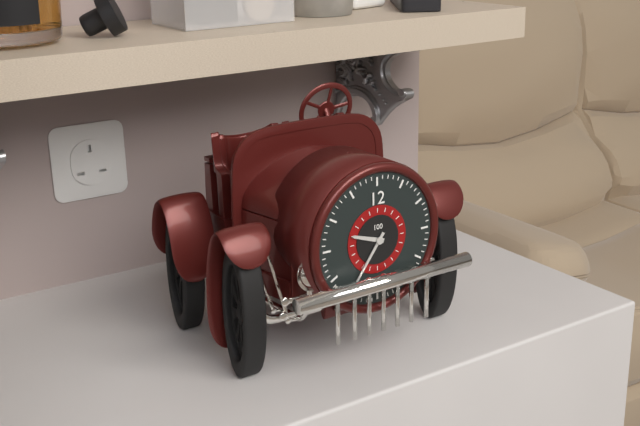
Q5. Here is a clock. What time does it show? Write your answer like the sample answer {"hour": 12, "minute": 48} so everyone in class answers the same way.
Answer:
{"hour": 9, "minute": 36}
